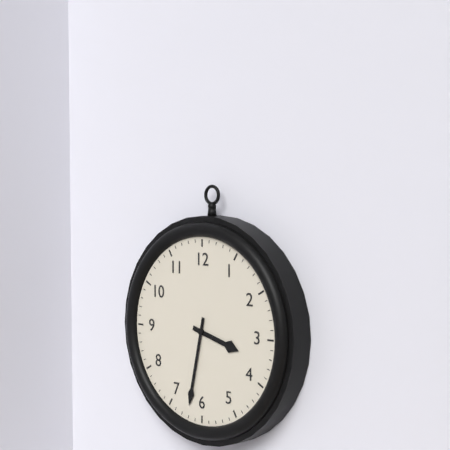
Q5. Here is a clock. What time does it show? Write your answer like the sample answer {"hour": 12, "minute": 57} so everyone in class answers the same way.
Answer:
{"hour": 3, "minute": 32}
